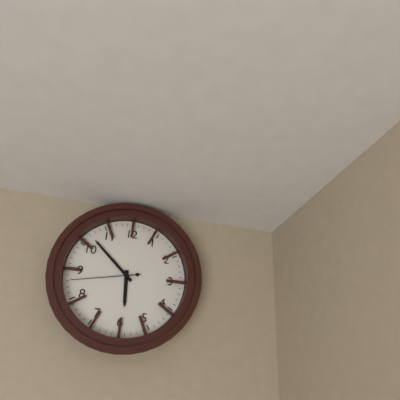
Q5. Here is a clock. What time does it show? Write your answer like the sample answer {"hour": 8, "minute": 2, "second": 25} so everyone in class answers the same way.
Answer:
{"hour": 5, "minute": 52, "second": 43}
